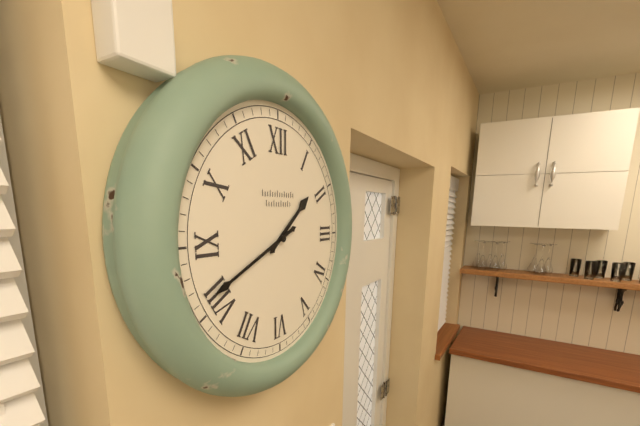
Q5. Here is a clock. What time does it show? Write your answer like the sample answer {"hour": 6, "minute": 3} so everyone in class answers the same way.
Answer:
{"hour": 1, "minute": 41}
